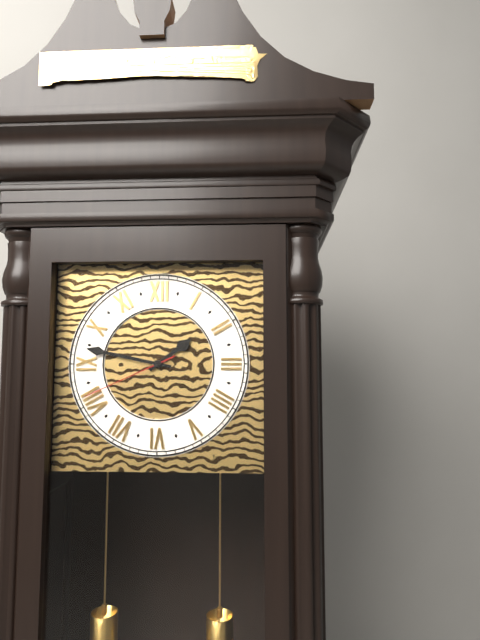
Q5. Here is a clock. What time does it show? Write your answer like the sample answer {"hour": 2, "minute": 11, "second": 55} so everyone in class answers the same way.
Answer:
{"hour": 1, "minute": 47, "second": 41}
